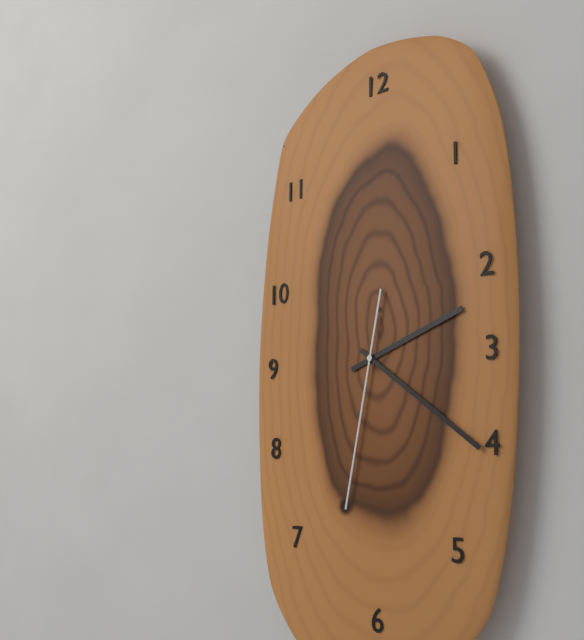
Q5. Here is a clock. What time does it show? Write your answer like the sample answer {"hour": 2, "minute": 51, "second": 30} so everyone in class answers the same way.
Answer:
{"hour": 2, "minute": 21, "second": 32}
